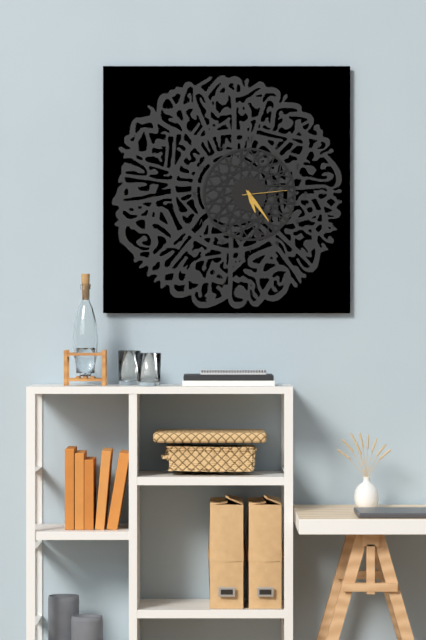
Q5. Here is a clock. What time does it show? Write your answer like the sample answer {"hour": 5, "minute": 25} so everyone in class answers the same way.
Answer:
{"hour": 5, "minute": 24}
